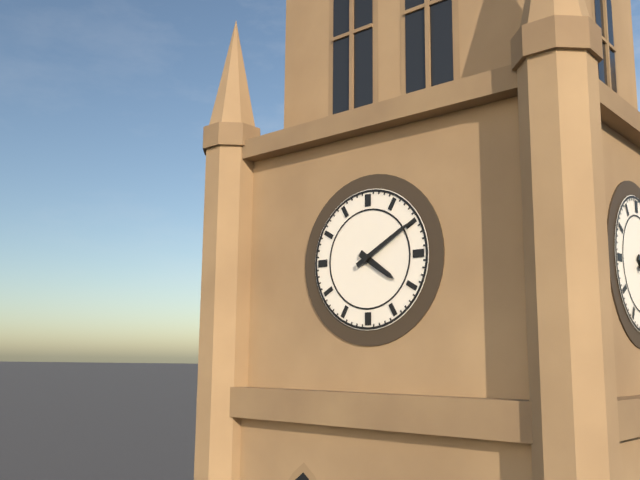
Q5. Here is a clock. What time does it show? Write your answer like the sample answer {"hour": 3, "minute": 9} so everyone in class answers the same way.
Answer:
{"hour": 4, "minute": 10}
